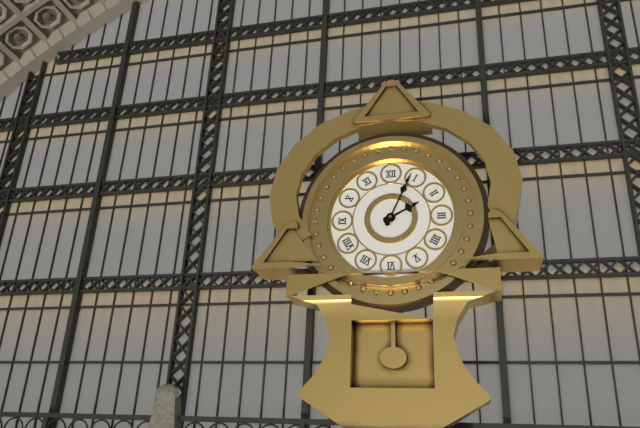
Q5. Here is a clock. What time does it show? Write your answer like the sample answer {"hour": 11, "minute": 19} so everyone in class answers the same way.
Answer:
{"hour": 2, "minute": 4}
